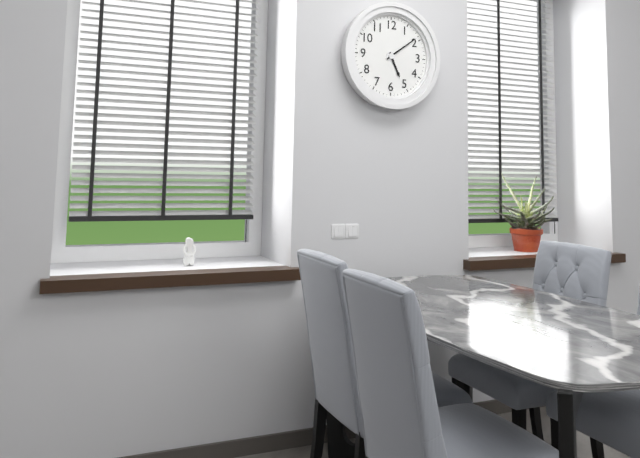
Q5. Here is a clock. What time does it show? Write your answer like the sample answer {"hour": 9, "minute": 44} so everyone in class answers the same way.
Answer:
{"hour": 5, "minute": 9}
